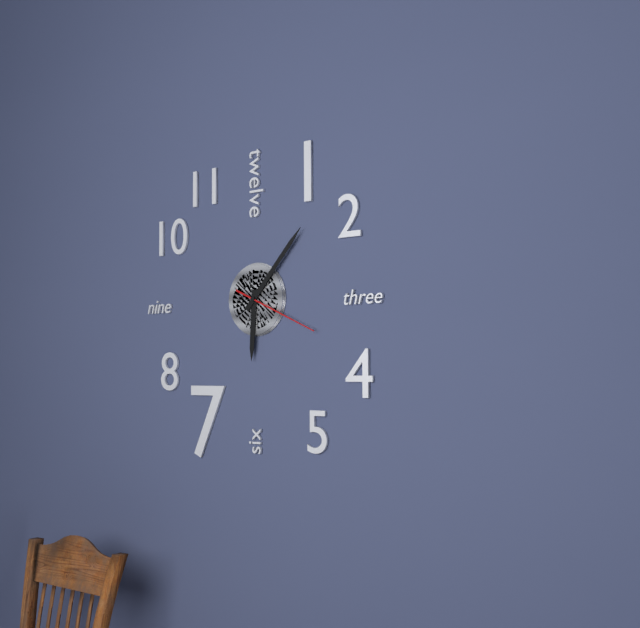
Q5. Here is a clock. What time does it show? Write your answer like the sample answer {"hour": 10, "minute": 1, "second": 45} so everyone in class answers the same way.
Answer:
{"hour": 6, "minute": 7, "second": 19}
